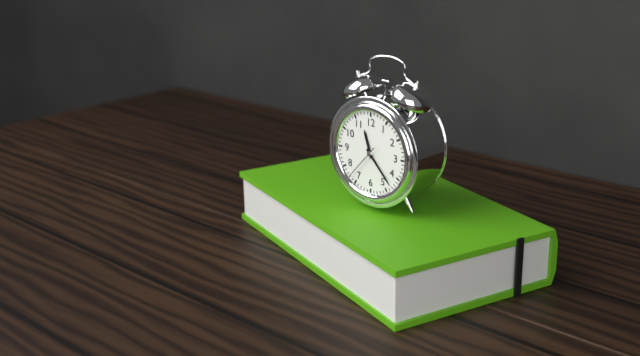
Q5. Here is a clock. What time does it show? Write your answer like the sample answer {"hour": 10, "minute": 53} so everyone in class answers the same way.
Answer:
{"hour": 11, "minute": 23}
